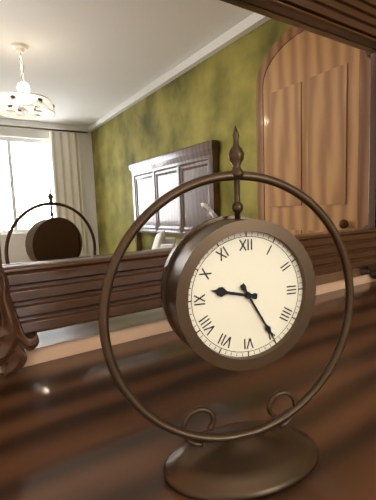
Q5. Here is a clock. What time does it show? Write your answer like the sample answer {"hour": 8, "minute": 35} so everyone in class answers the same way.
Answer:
{"hour": 9, "minute": 25}
